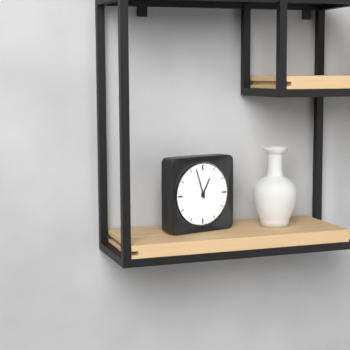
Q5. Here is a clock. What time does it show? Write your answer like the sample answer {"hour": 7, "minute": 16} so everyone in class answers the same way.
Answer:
{"hour": 12, "minute": 57}
